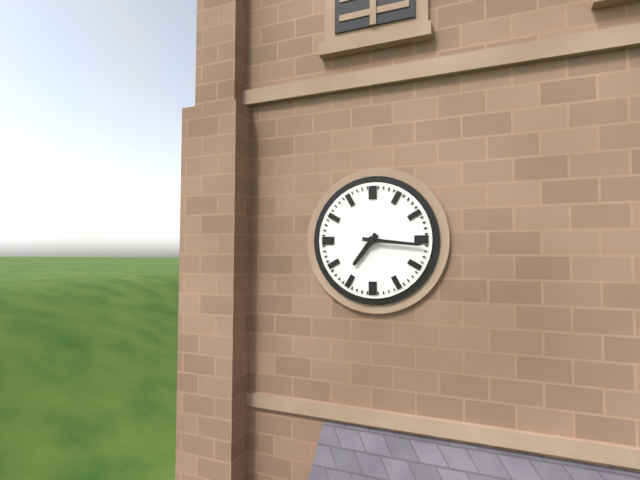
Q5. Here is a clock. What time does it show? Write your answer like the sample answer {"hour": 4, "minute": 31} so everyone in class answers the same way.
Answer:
{"hour": 7, "minute": 16}
